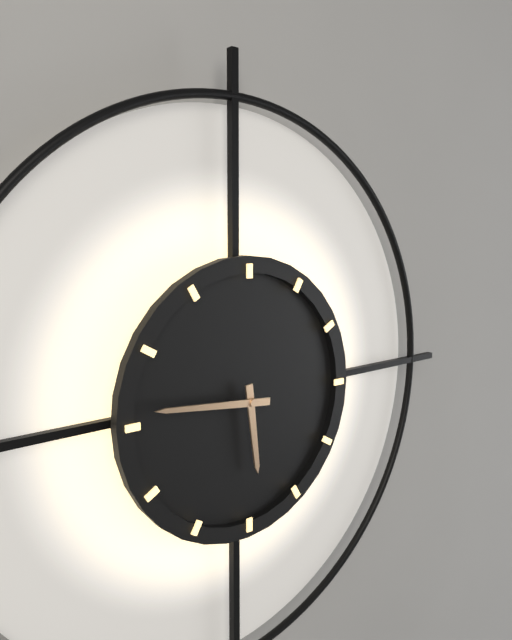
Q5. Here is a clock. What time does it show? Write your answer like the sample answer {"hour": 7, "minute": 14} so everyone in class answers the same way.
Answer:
{"hour": 5, "minute": 46}
